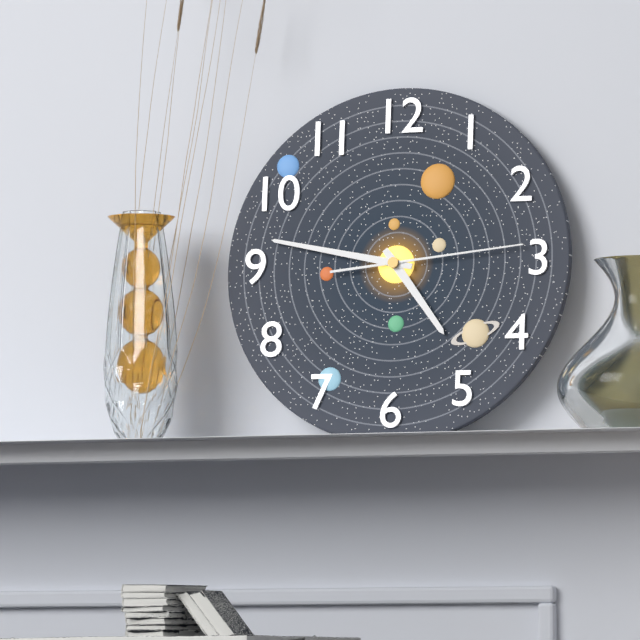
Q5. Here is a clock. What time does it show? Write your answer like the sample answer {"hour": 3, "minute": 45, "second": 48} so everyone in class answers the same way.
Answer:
{"hour": 4, "minute": 47, "second": 14}
